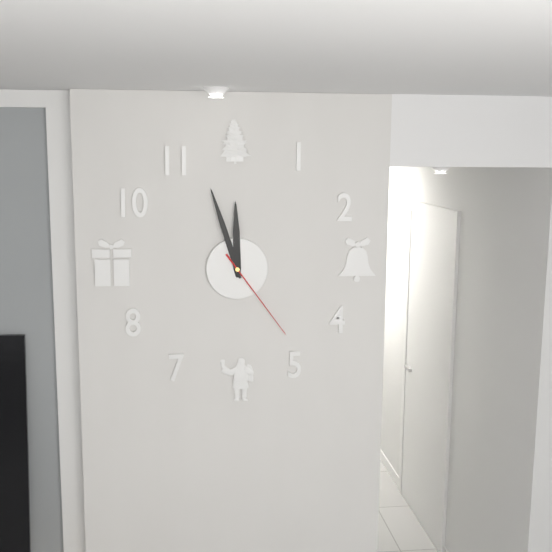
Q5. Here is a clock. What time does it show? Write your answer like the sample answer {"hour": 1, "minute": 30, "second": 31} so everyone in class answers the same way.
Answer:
{"hour": 11, "minute": 57, "second": 24}
